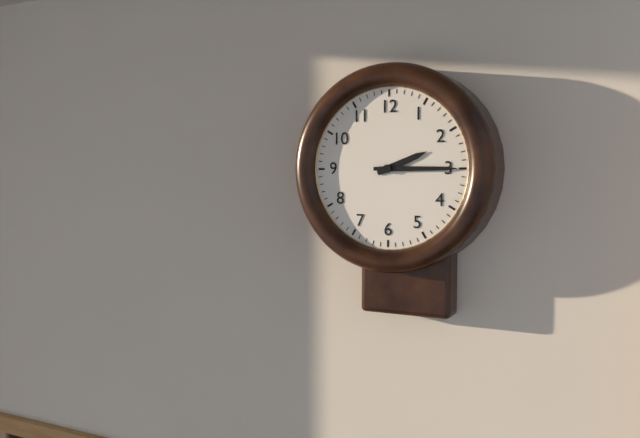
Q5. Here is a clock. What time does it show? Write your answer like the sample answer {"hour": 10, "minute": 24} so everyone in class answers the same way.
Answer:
{"hour": 2, "minute": 15}
